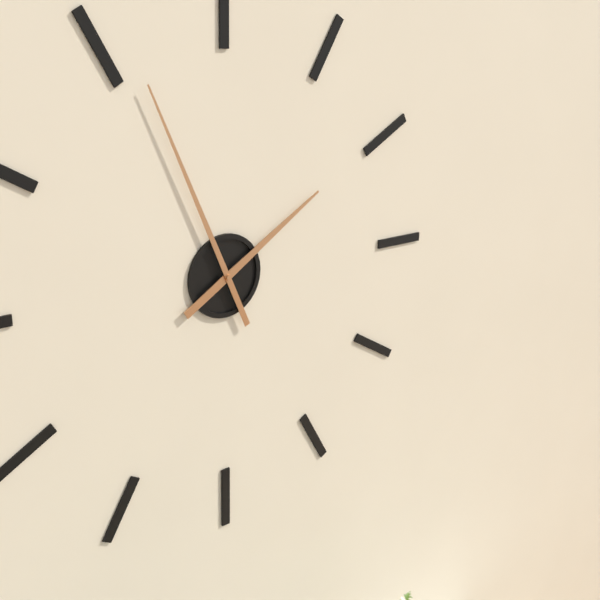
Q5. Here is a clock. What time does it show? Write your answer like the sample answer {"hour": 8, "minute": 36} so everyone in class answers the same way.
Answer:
{"hour": 1, "minute": 56}
